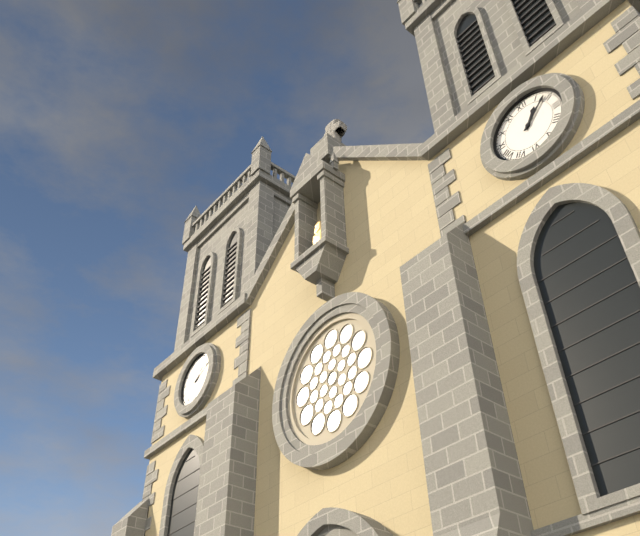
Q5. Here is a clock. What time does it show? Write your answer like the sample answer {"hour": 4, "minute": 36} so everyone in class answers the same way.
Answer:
{"hour": 1, "minute": 8}
